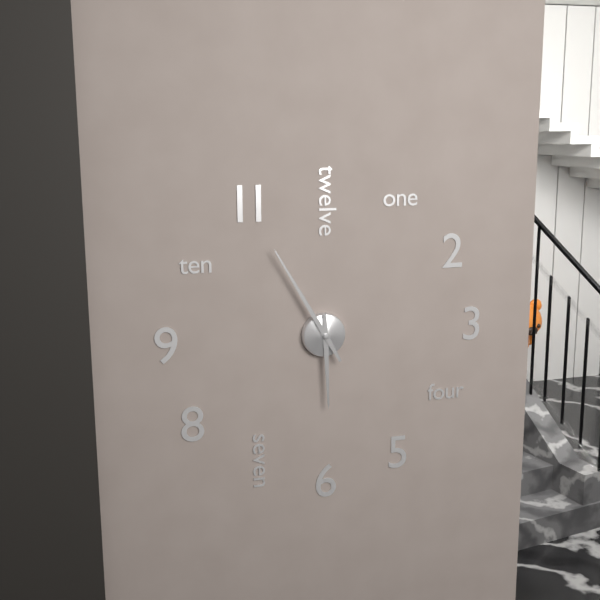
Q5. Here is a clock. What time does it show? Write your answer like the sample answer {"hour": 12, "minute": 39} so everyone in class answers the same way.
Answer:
{"hour": 5, "minute": 55}
